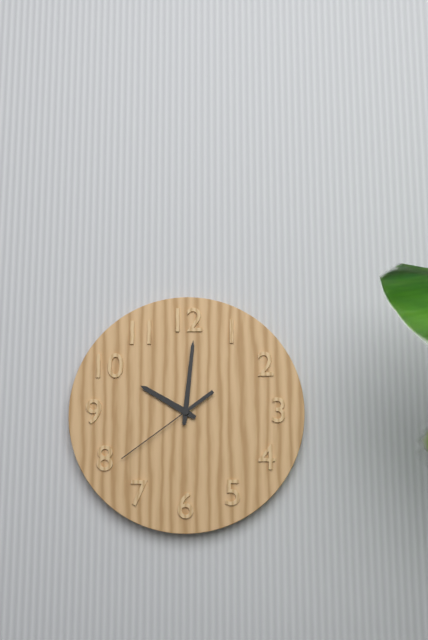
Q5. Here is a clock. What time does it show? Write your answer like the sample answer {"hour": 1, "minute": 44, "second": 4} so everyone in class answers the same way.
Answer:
{"hour": 10, "minute": 1, "second": 39}
